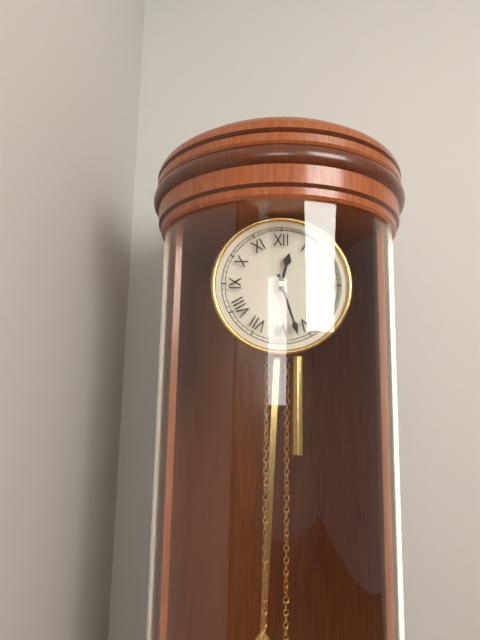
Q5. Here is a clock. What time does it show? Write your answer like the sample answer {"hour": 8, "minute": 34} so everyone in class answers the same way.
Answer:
{"hour": 12, "minute": 27}
